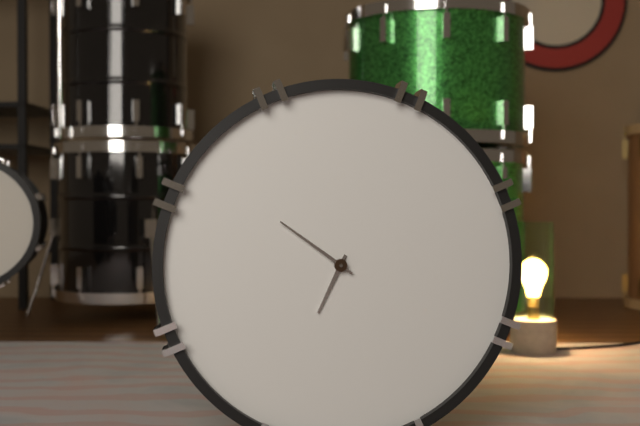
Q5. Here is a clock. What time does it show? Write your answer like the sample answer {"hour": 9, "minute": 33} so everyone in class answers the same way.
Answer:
{"hour": 6, "minute": 51}
